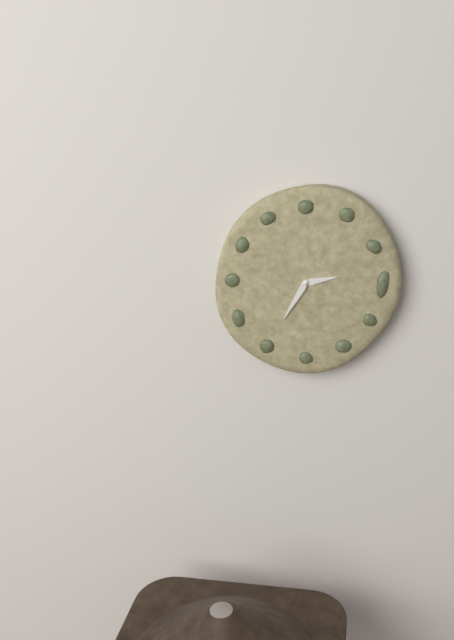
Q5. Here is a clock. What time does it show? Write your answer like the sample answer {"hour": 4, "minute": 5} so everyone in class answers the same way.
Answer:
{"hour": 2, "minute": 35}
